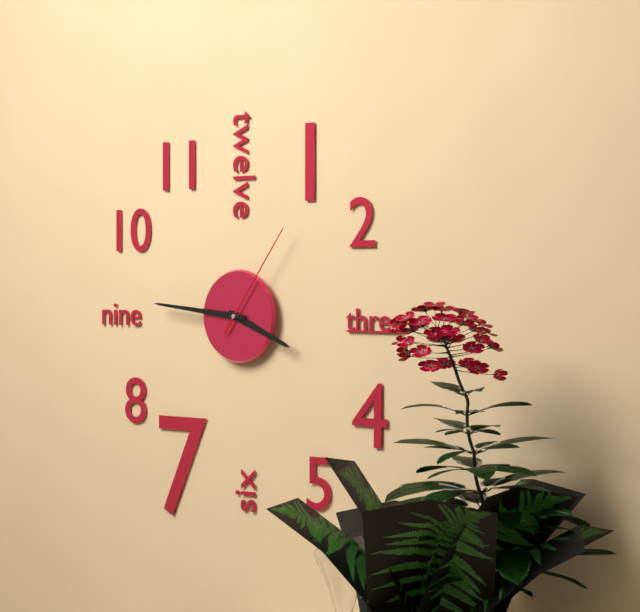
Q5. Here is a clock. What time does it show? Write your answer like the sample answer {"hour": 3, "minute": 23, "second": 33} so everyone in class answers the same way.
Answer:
{"hour": 3, "minute": 46, "second": 6}
